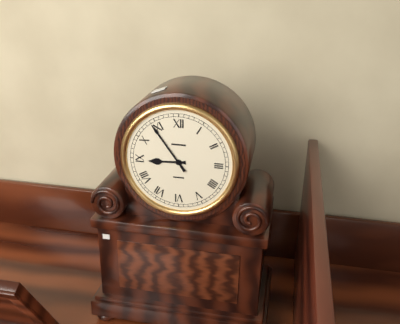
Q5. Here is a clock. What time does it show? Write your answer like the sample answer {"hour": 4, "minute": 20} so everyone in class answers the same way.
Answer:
{"hour": 8, "minute": 54}
